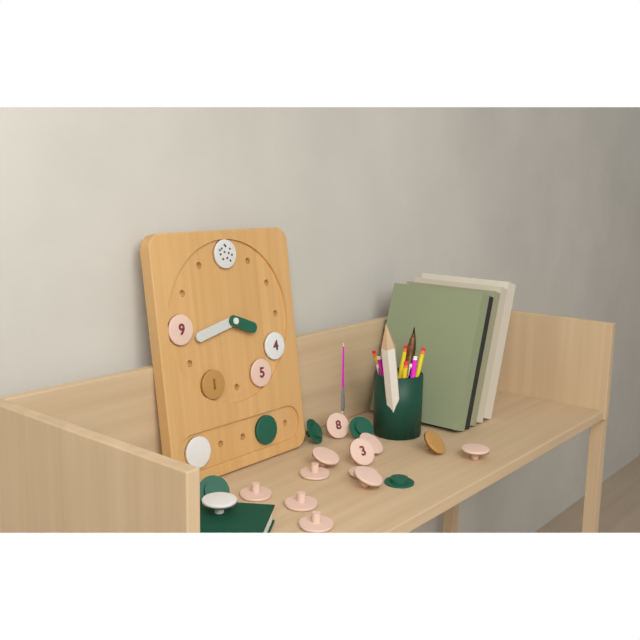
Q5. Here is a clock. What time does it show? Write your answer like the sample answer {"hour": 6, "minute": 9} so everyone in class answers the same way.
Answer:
{"hour": 3, "minute": 43}
